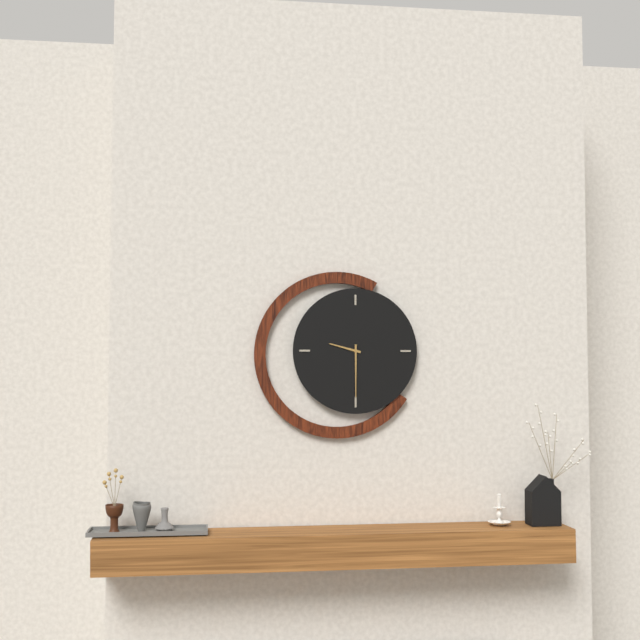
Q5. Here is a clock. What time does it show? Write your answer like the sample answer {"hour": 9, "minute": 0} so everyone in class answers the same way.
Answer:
{"hour": 9, "minute": 30}
